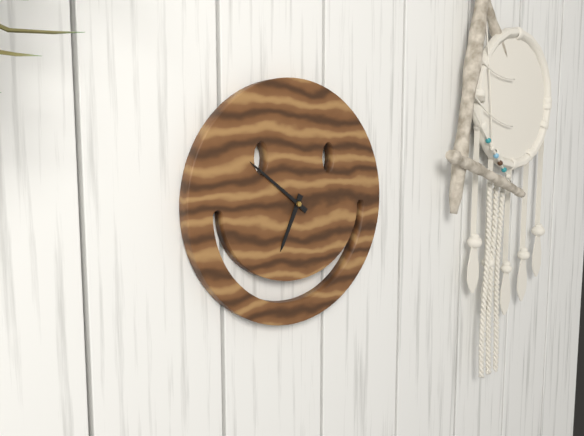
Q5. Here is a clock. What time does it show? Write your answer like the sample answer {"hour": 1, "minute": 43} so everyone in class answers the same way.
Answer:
{"hour": 6, "minute": 51}
